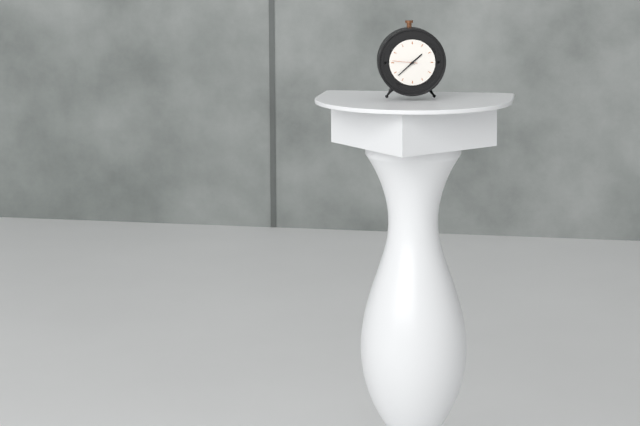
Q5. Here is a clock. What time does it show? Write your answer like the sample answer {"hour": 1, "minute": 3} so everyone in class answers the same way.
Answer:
{"hour": 1, "minute": 38}
